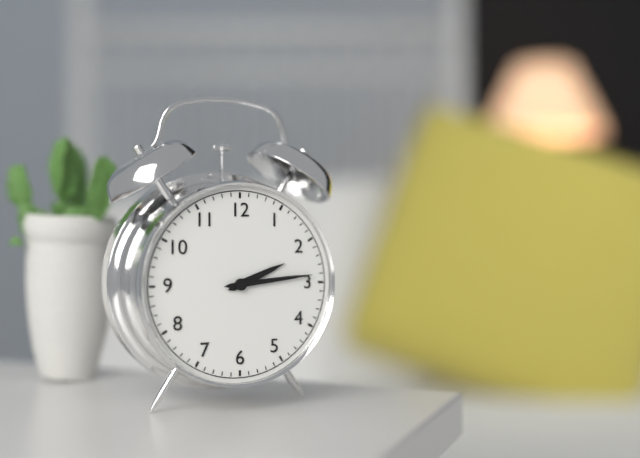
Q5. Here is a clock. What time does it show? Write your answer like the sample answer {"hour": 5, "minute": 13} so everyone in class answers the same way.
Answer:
{"hour": 2, "minute": 14}
